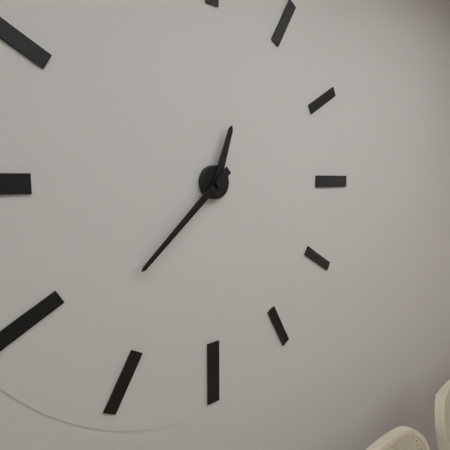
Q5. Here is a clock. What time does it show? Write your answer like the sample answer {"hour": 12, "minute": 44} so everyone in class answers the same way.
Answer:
{"hour": 12, "minute": 38}
